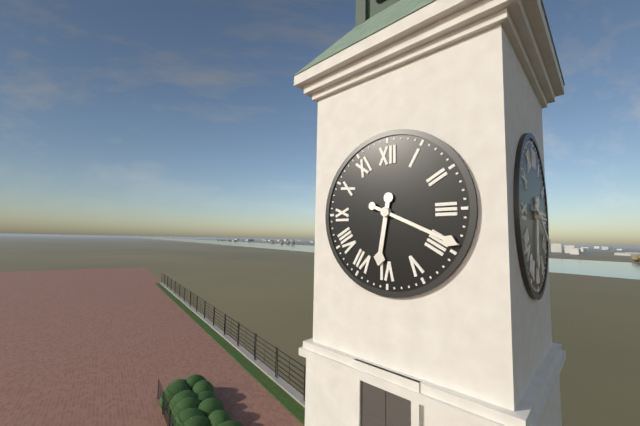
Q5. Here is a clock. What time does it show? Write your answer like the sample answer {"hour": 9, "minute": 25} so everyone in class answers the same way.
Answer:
{"hour": 6, "minute": 19}
